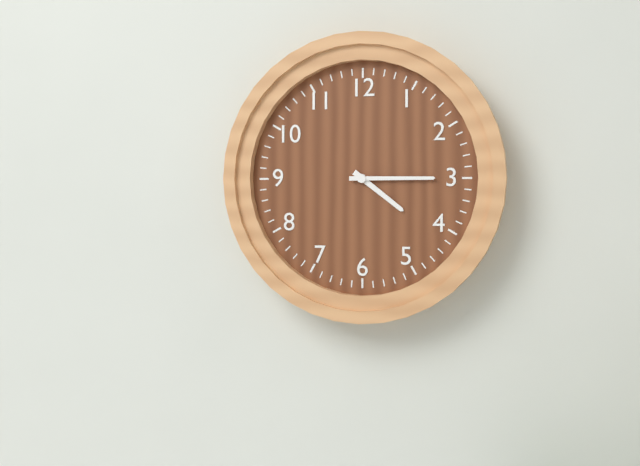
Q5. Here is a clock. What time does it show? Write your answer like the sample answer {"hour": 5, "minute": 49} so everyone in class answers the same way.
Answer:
{"hour": 4, "minute": 15}
